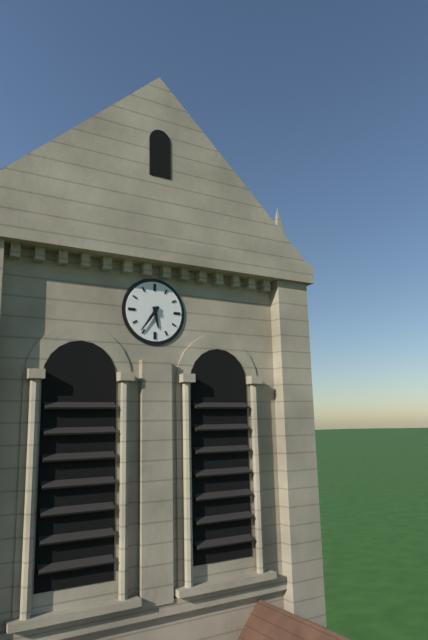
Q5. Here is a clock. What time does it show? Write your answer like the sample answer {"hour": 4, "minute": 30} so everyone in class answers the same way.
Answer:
{"hour": 5, "minute": 36}
